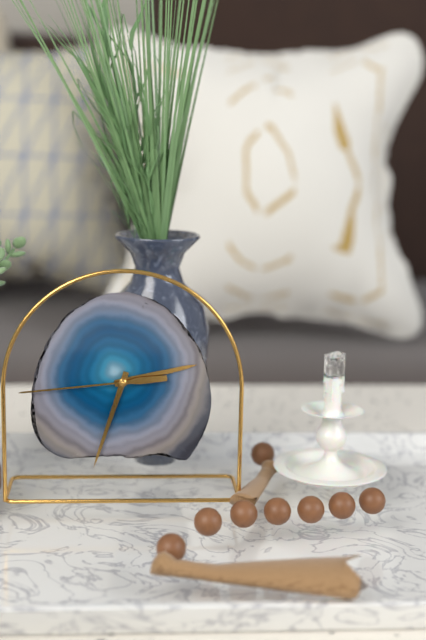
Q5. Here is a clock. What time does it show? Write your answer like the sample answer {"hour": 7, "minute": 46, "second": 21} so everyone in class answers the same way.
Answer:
{"hour": 2, "minute": 33, "second": 44}
